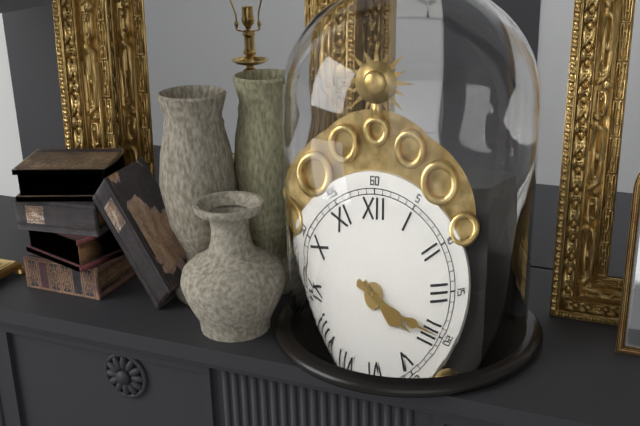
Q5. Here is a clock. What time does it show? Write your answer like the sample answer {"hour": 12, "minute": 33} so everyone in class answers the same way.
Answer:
{"hour": 4, "minute": 20}
